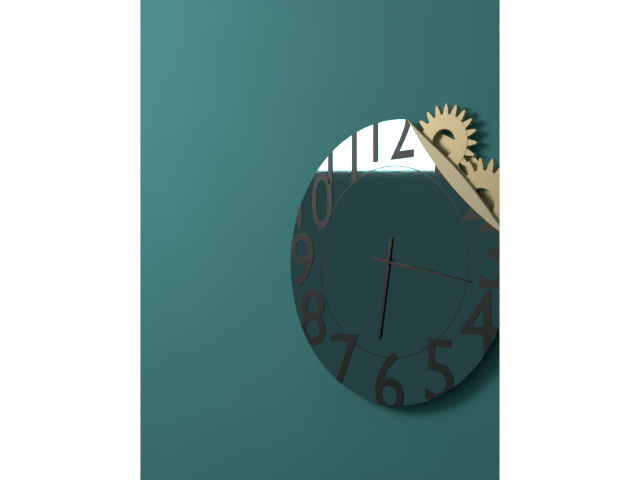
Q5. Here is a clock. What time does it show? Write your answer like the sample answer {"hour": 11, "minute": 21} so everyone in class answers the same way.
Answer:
{"hour": 6, "minute": 17}
